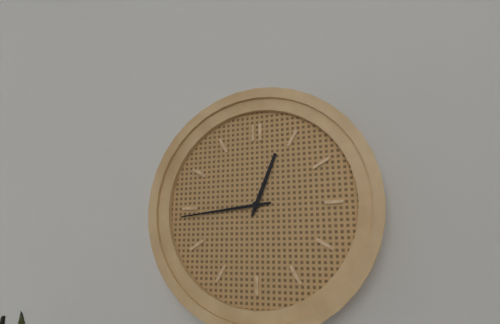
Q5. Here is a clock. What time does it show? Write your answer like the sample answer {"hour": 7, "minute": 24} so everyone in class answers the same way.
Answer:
{"hour": 12, "minute": 44}
